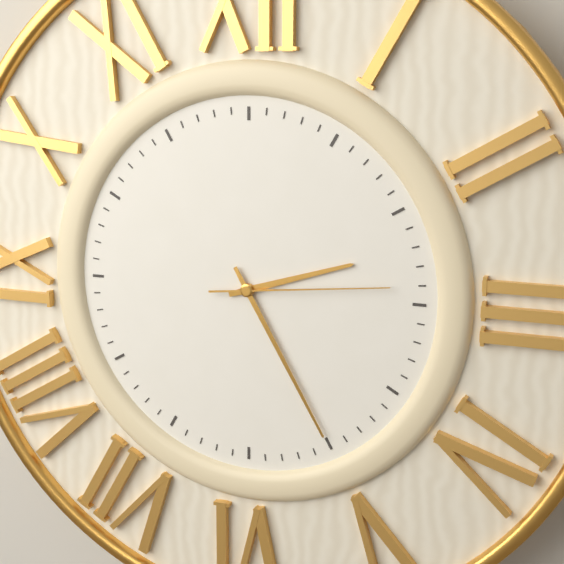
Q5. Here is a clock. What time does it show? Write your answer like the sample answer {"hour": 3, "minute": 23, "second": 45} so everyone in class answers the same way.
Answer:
{"hour": 2, "minute": 25, "second": 14}
